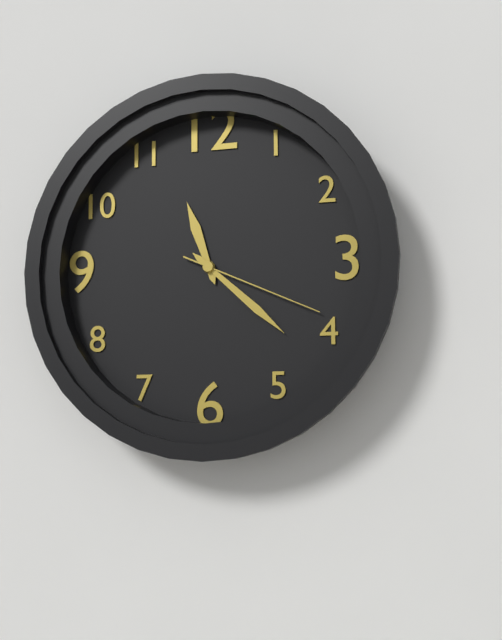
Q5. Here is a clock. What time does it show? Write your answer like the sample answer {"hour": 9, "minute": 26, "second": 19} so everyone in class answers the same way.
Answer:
{"hour": 11, "minute": 22, "second": 19}
